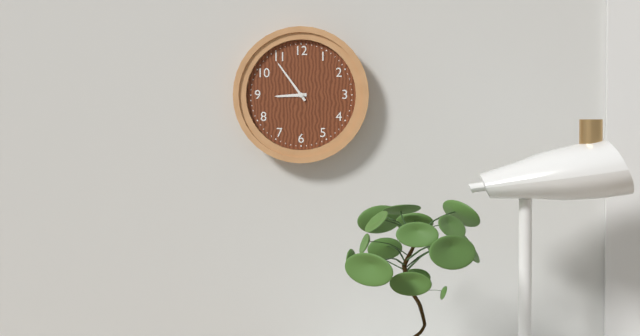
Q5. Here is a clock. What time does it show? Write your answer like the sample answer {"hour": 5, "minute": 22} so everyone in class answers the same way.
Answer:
{"hour": 8, "minute": 54}
